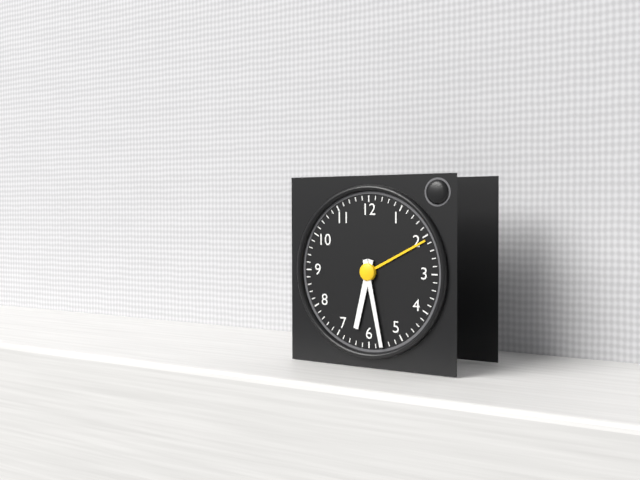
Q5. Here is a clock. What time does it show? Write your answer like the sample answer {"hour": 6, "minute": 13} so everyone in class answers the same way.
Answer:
{"hour": 6, "minute": 28}
